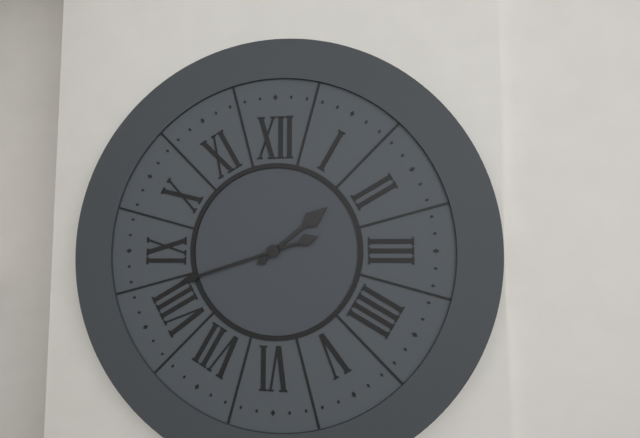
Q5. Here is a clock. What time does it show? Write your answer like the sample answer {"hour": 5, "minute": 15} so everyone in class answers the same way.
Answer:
{"hour": 1, "minute": 42}
